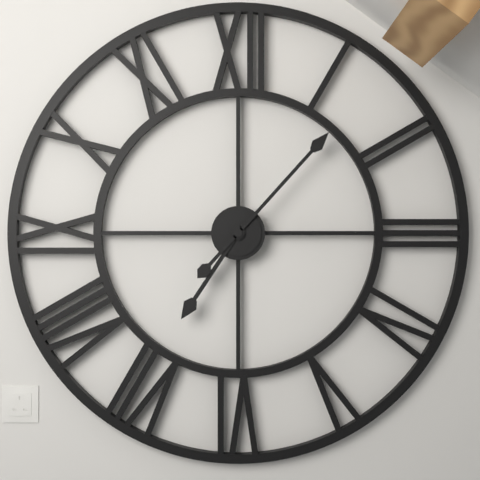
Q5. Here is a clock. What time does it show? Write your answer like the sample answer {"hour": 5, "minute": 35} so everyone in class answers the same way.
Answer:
{"hour": 7, "minute": 7}
